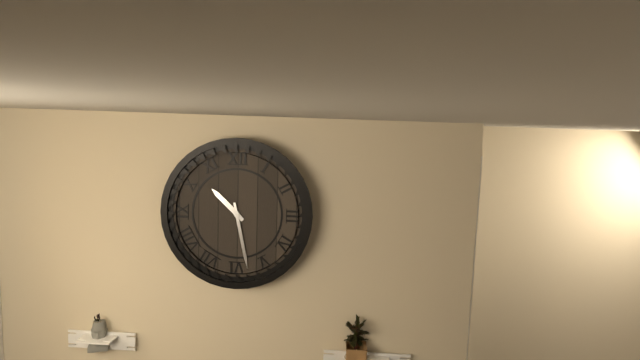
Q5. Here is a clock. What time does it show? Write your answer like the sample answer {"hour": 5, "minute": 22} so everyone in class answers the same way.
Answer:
{"hour": 10, "minute": 28}
